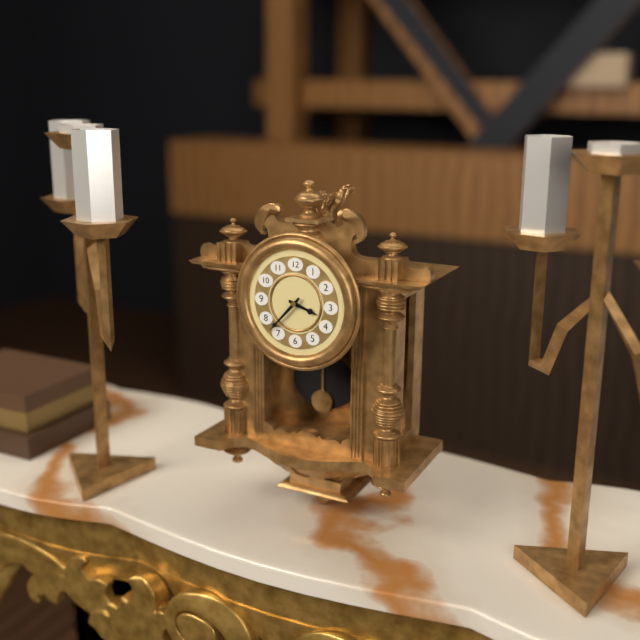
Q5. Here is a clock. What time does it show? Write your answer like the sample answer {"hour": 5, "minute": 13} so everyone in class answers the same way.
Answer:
{"hour": 3, "minute": 37}
